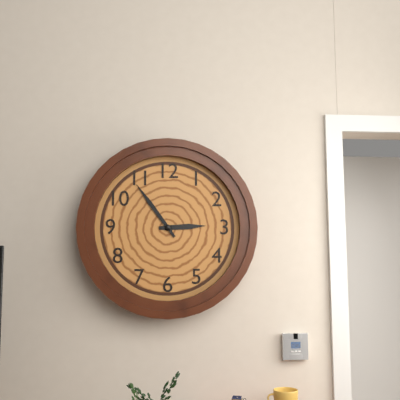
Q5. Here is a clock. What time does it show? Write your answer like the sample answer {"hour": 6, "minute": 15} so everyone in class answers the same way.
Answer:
{"hour": 2, "minute": 54}
